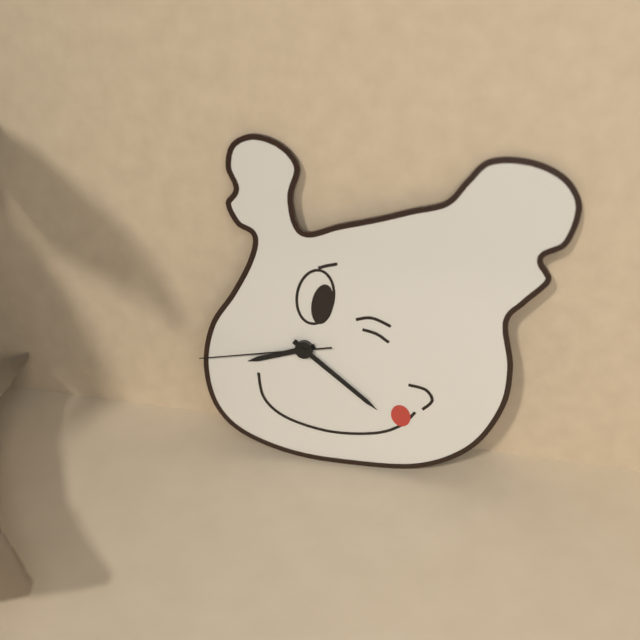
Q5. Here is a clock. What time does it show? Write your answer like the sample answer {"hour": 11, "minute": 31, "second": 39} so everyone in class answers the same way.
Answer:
{"hour": 8, "minute": 21, "second": 43}
